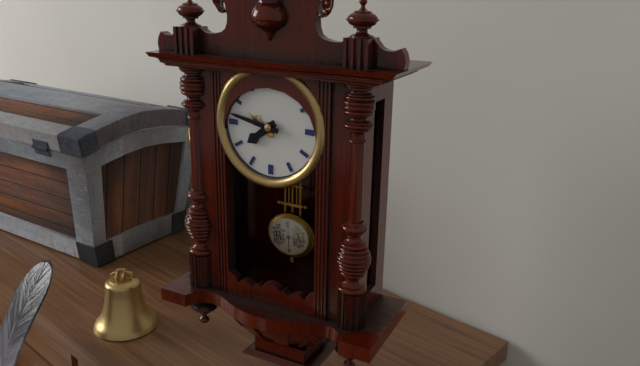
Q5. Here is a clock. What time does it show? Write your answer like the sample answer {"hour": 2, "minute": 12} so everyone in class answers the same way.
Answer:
{"hour": 7, "minute": 47}
